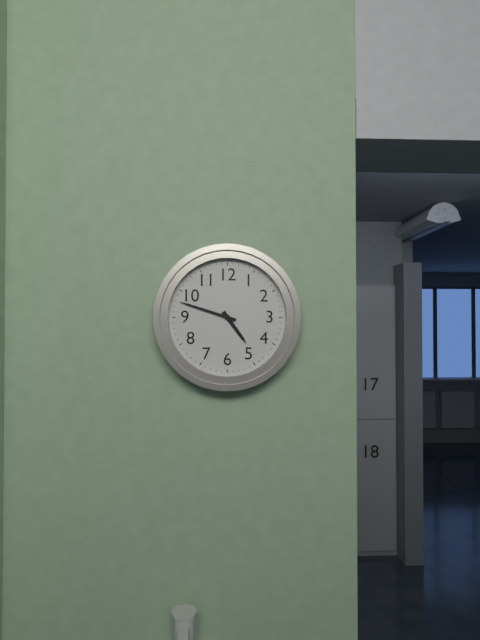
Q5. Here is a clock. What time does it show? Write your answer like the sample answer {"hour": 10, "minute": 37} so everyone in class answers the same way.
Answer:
{"hour": 4, "minute": 48}
